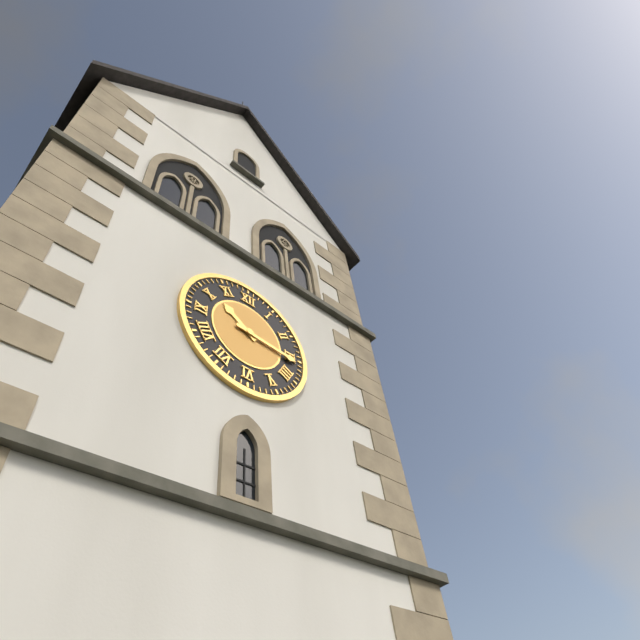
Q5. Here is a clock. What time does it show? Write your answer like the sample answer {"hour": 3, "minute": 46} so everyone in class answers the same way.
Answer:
{"hour": 10, "minute": 16}
